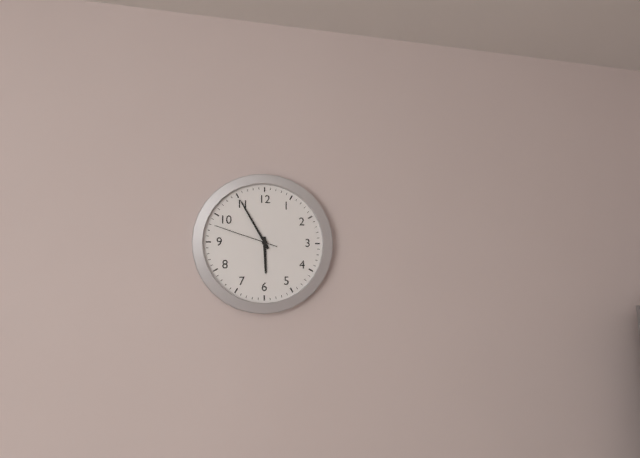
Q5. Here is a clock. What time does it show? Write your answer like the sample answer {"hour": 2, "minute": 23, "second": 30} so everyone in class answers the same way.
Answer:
{"hour": 5, "minute": 55, "second": 48}
